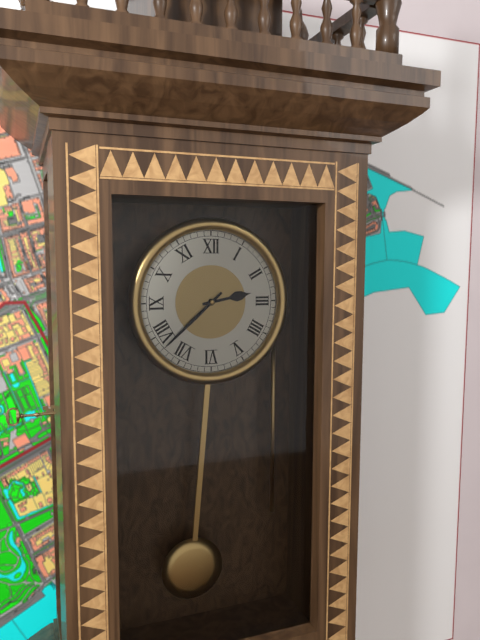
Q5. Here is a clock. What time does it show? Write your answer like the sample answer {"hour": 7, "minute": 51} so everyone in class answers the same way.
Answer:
{"hour": 2, "minute": 38}
